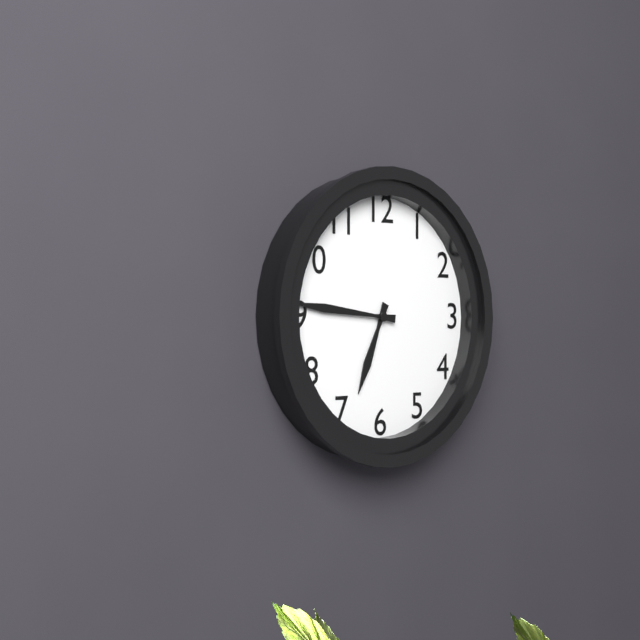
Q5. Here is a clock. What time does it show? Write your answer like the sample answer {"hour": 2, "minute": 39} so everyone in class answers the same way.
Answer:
{"hour": 6, "minute": 46}
